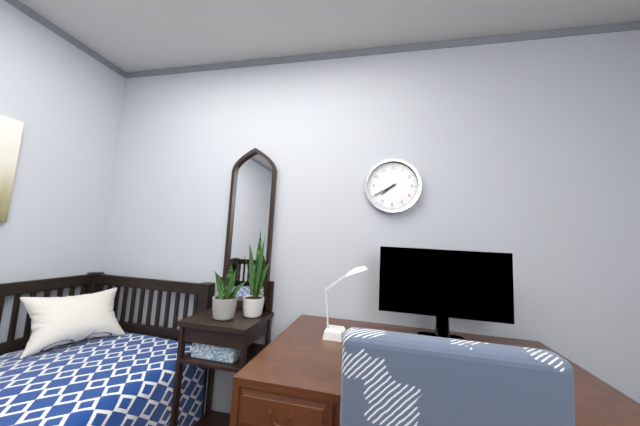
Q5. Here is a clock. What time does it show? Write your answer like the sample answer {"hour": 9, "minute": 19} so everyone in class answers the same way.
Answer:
{"hour": 7, "minute": 40}
